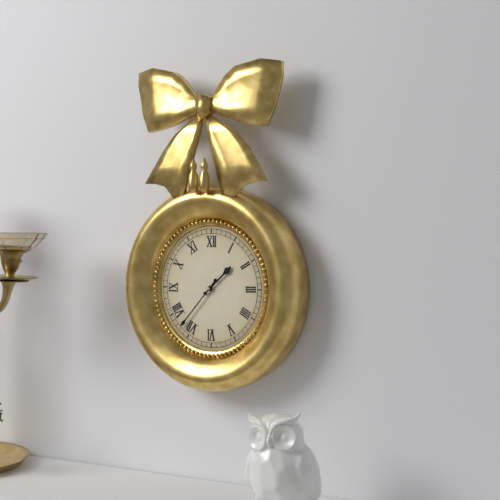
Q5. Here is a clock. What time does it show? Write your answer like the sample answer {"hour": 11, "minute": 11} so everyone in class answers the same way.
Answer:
{"hour": 1, "minute": 37}
